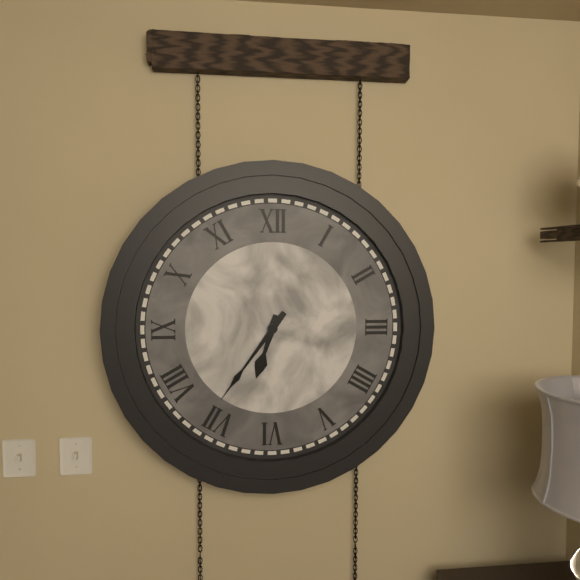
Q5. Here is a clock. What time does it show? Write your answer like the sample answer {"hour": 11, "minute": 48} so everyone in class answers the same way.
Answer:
{"hour": 6, "minute": 36}
